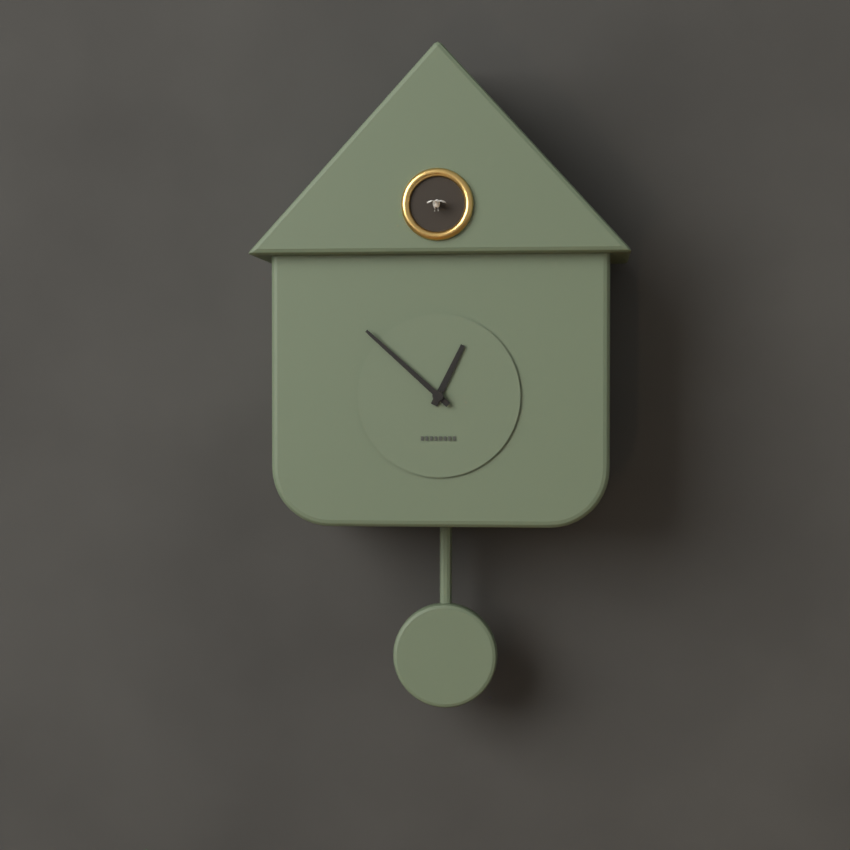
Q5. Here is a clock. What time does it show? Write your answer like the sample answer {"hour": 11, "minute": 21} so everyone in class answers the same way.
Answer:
{"hour": 12, "minute": 52}
